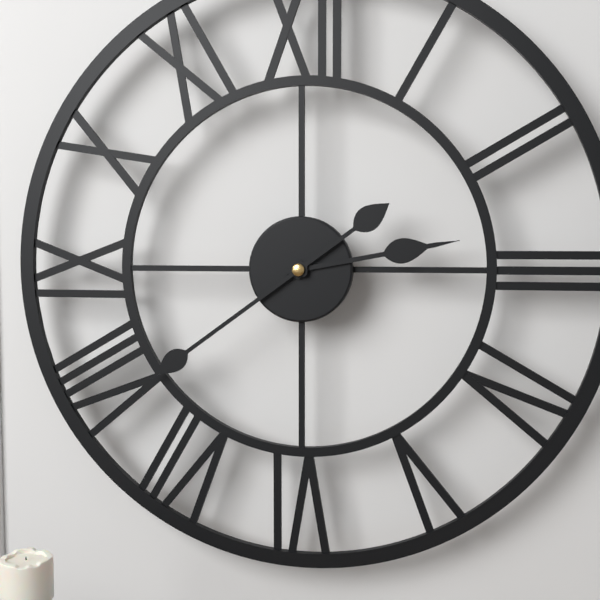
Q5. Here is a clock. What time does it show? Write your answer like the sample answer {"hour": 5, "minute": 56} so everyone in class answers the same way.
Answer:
{"hour": 2, "minute": 39}
